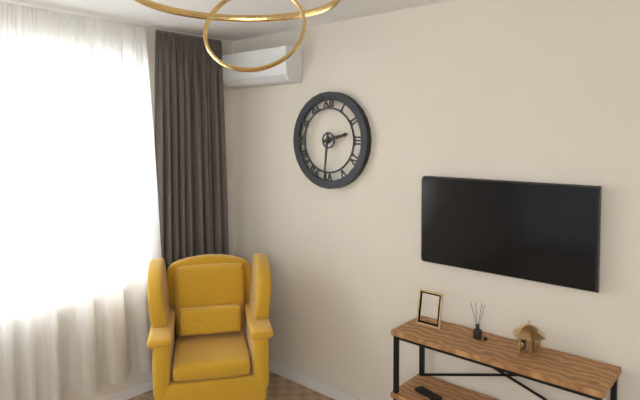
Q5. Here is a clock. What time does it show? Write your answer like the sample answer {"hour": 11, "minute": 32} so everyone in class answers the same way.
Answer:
{"hour": 2, "minute": 31}
